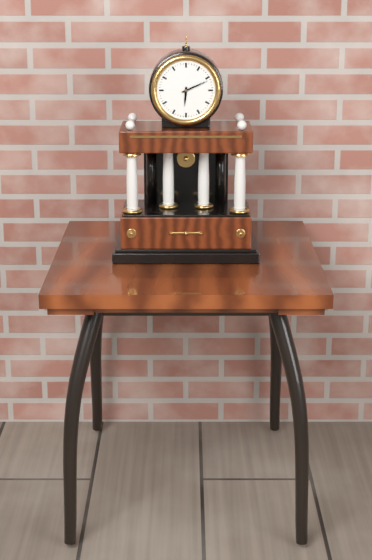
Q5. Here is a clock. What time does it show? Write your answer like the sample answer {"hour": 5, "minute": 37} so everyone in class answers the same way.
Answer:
{"hour": 6, "minute": 11}
